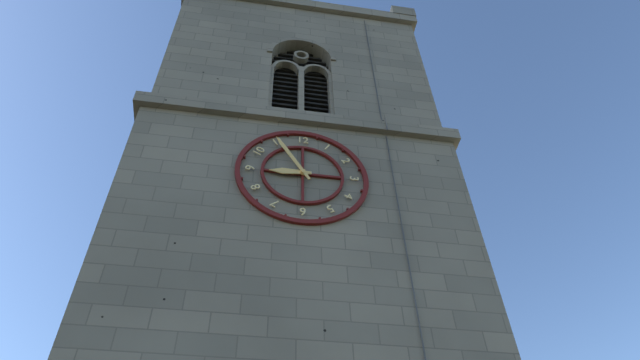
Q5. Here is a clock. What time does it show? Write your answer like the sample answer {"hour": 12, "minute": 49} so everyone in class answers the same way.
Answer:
{"hour": 8, "minute": 55}
